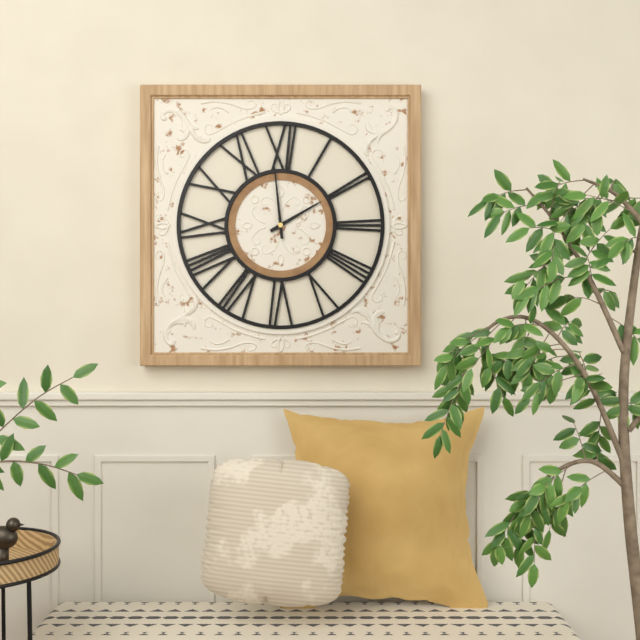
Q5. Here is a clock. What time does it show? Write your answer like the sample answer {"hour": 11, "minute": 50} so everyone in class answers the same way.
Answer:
{"hour": 1, "minute": 59}
